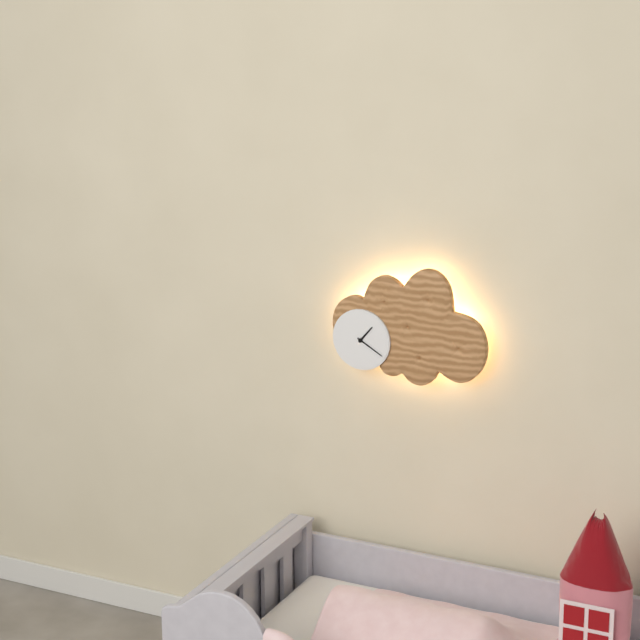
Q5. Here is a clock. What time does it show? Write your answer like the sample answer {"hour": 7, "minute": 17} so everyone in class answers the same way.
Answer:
{"hour": 1, "minute": 20}
